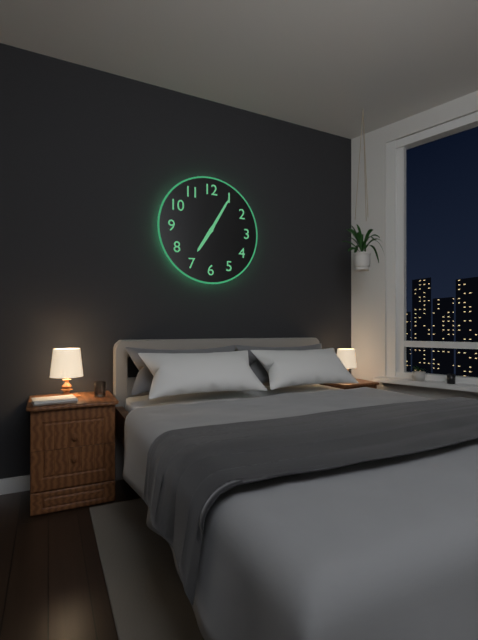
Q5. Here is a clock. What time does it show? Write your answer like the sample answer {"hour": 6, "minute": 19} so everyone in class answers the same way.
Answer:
{"hour": 7, "minute": 5}
